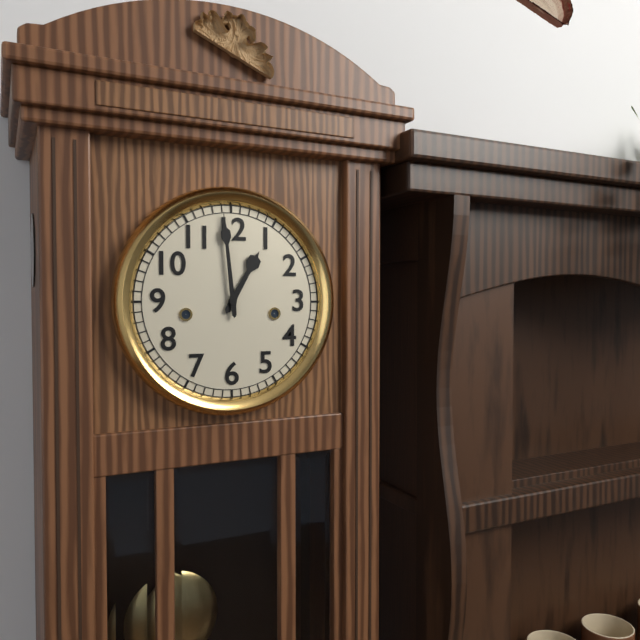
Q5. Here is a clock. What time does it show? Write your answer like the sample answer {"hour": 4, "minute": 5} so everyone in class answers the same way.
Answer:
{"hour": 12, "minute": 59}
